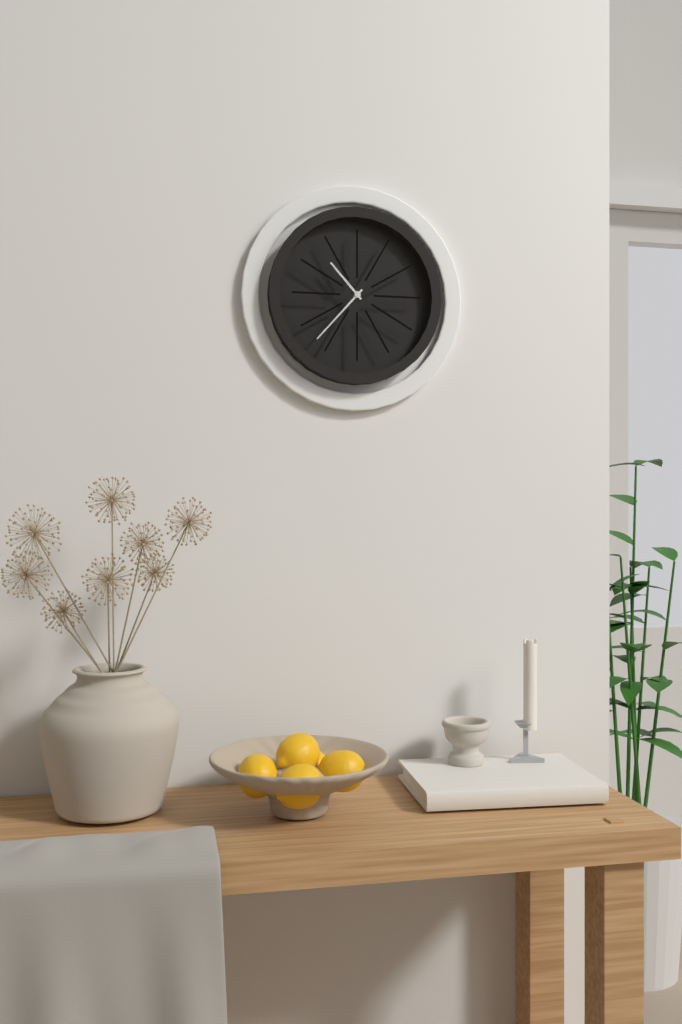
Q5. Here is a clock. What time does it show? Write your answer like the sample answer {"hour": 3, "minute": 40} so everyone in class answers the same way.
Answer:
{"hour": 10, "minute": 37}
